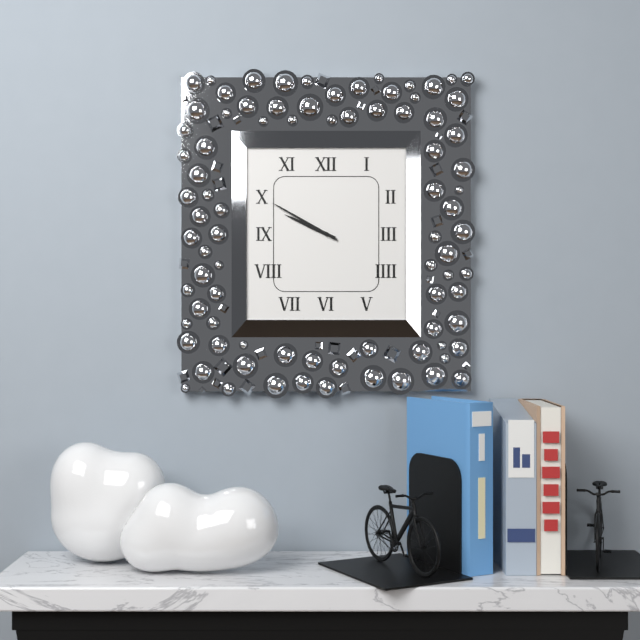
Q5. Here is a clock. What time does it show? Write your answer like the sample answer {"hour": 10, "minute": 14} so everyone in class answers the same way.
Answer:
{"hour": 9, "minute": 50}
